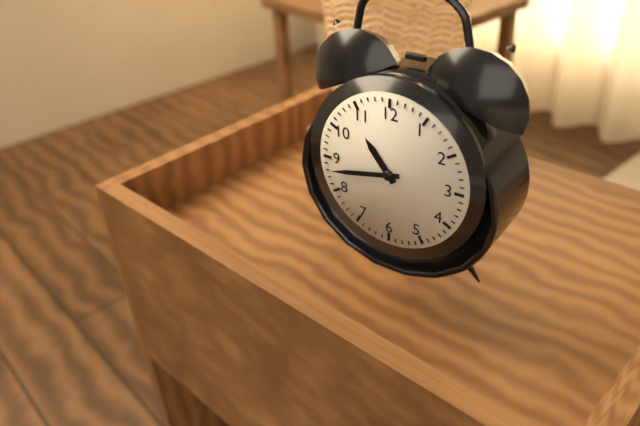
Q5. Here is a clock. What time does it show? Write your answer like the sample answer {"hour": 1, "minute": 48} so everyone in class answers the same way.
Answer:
{"hour": 10, "minute": 43}
